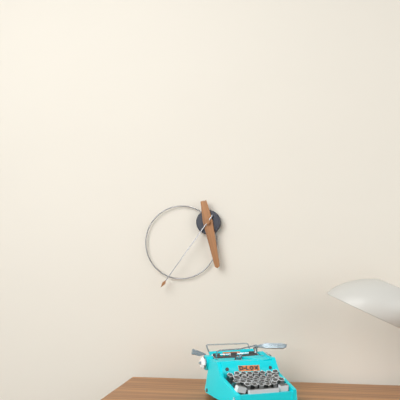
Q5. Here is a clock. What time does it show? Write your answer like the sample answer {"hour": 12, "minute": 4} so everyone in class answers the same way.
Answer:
{"hour": 5, "minute": 36}
